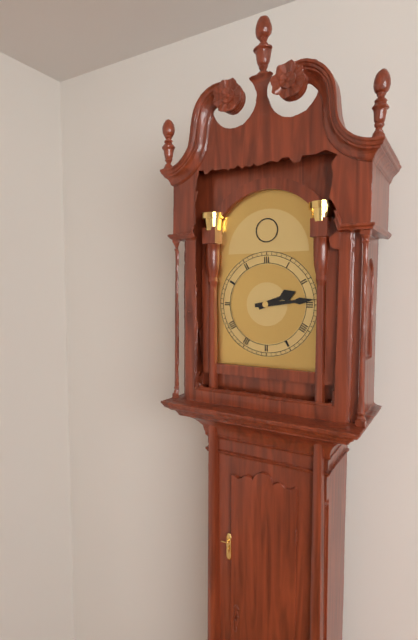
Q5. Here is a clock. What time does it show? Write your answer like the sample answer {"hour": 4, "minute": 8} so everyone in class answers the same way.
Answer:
{"hour": 2, "minute": 14}
